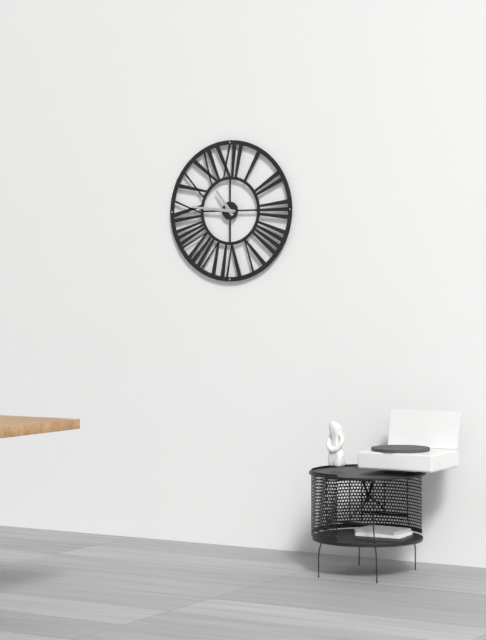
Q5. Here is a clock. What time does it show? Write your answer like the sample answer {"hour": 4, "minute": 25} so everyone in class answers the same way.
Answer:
{"hour": 10, "minute": 46}
